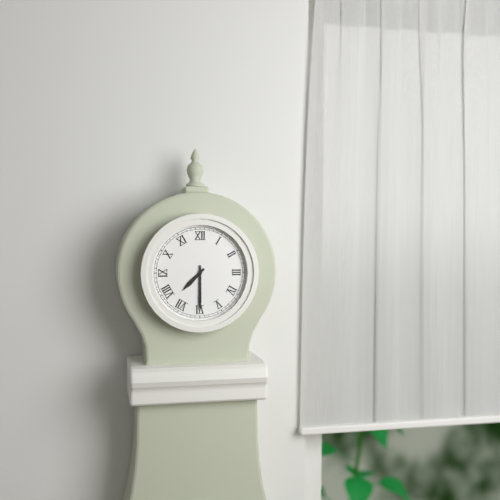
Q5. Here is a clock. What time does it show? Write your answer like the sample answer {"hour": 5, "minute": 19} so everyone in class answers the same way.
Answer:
{"hour": 7, "minute": 30}
